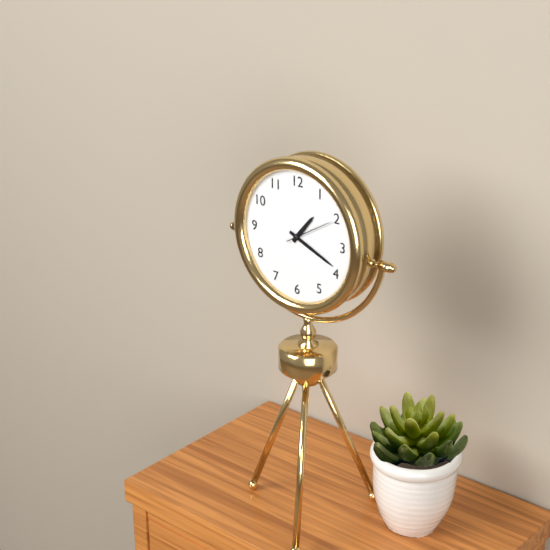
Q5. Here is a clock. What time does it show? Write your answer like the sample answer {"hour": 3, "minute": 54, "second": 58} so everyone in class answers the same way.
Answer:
{"hour": 1, "minute": 19, "second": 10}
